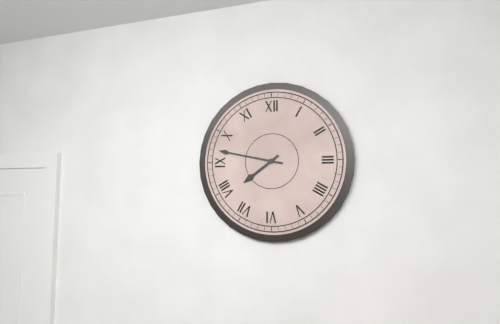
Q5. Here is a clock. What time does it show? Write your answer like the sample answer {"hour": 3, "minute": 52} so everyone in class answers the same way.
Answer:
{"hour": 7, "minute": 47}
